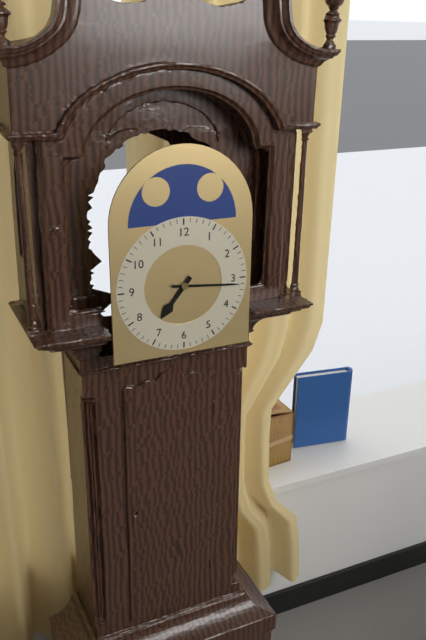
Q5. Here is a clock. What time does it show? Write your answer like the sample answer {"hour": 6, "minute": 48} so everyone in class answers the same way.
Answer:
{"hour": 7, "minute": 16}
